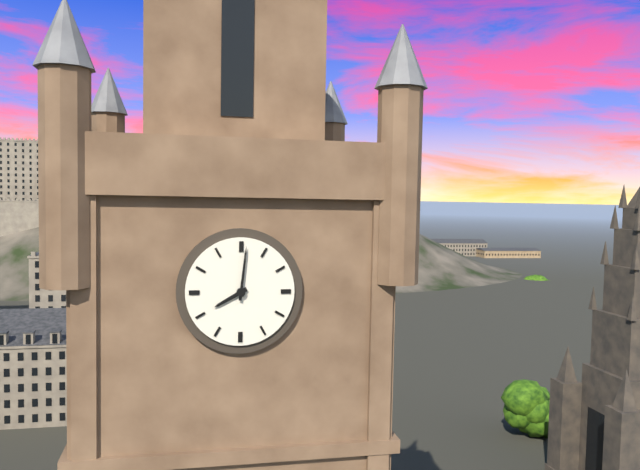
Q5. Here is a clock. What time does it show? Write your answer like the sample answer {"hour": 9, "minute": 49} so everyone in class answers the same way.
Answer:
{"hour": 8, "minute": 1}
